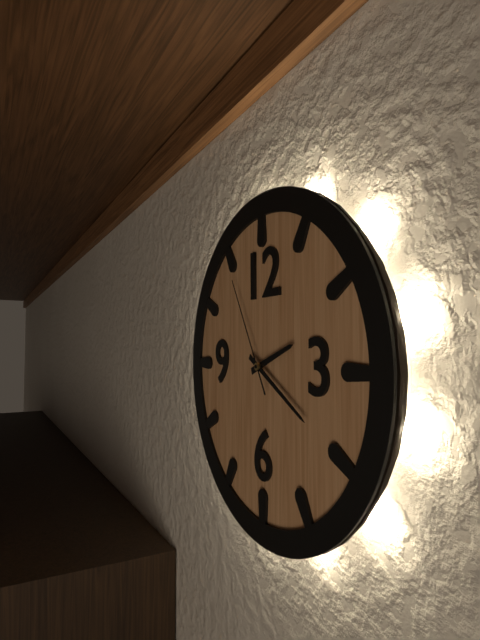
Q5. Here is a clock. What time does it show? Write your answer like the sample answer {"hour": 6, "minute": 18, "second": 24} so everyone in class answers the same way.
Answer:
{"hour": 2, "minute": 20, "second": 55}
